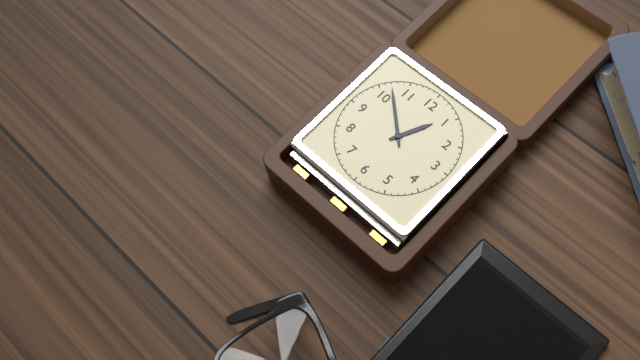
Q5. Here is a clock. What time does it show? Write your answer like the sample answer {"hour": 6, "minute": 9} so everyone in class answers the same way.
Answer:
{"hour": 12, "minute": 52}
